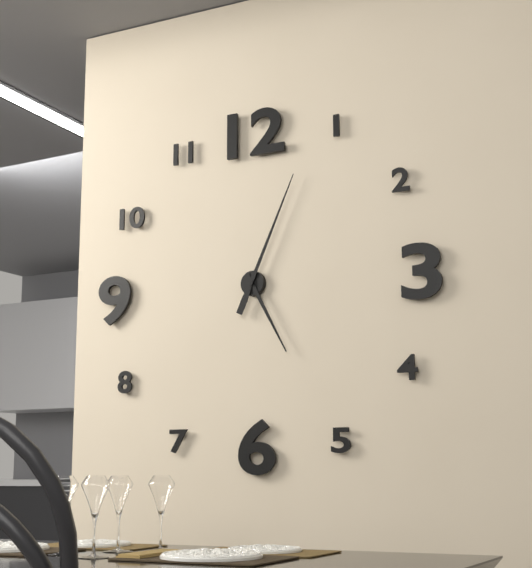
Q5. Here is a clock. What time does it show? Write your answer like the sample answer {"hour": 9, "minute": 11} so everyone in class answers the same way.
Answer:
{"hour": 5, "minute": 4}
